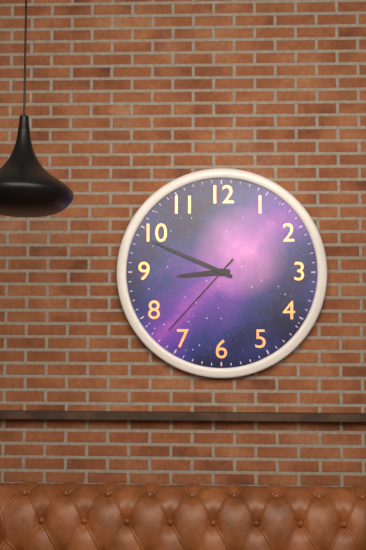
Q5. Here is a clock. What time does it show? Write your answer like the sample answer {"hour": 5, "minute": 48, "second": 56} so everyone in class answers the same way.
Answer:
{"hour": 8, "minute": 49, "second": 37}
